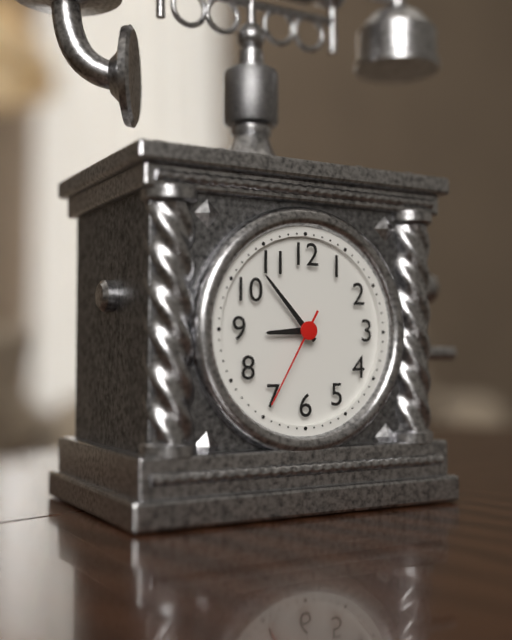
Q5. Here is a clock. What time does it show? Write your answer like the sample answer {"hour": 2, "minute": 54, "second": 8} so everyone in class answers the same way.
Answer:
{"hour": 8, "minute": 53, "second": 35}
